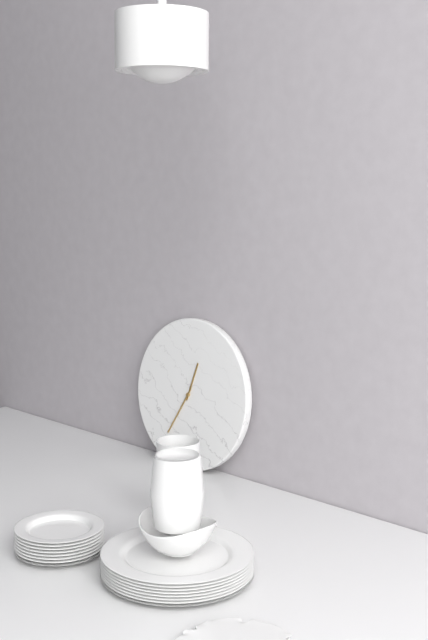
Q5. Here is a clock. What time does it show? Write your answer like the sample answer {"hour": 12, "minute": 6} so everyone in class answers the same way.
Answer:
{"hour": 12, "minute": 35}
